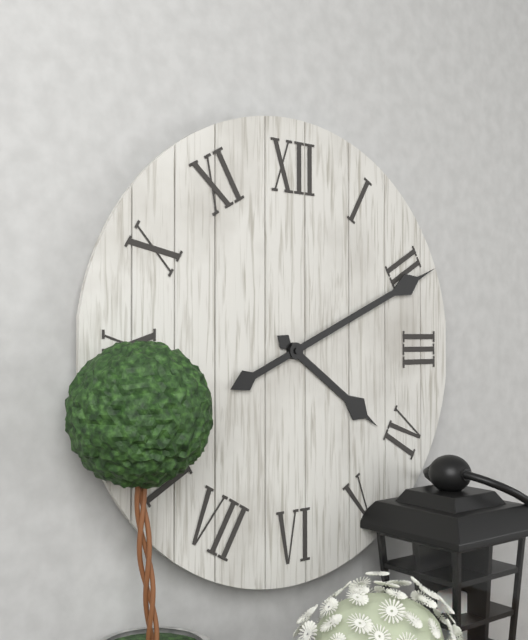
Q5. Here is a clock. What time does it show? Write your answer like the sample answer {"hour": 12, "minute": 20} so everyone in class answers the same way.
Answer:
{"hour": 4, "minute": 11}
